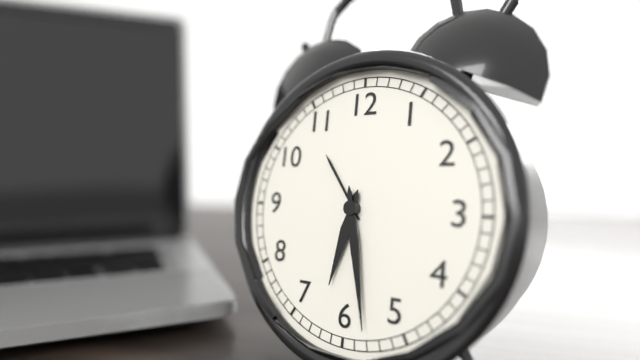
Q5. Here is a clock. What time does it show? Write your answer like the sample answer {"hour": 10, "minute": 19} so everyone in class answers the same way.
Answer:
{"hour": 6, "minute": 28}
